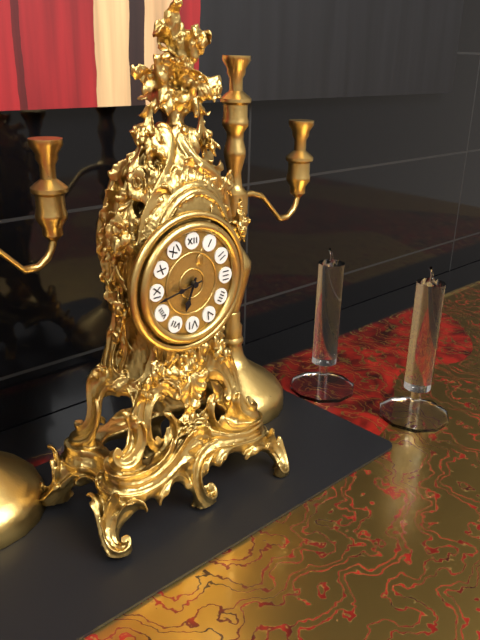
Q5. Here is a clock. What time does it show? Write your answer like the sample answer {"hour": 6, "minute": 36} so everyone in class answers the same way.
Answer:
{"hour": 6, "minute": 43}
